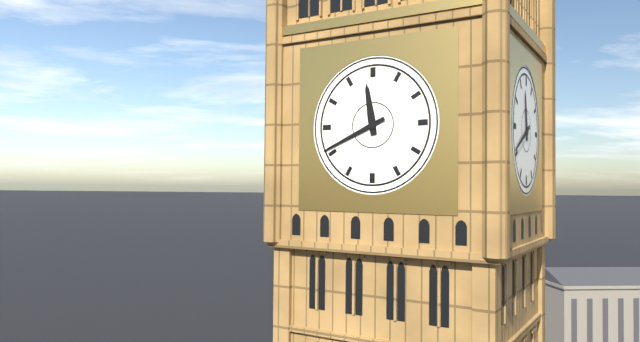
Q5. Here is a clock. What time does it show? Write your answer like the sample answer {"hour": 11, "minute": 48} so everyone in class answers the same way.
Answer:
{"hour": 11, "minute": 41}
